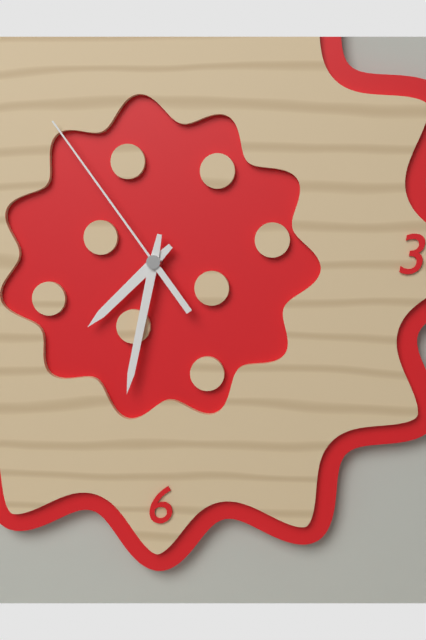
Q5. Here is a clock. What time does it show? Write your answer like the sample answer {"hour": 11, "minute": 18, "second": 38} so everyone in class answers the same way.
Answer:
{"hour": 7, "minute": 32, "second": 54}
